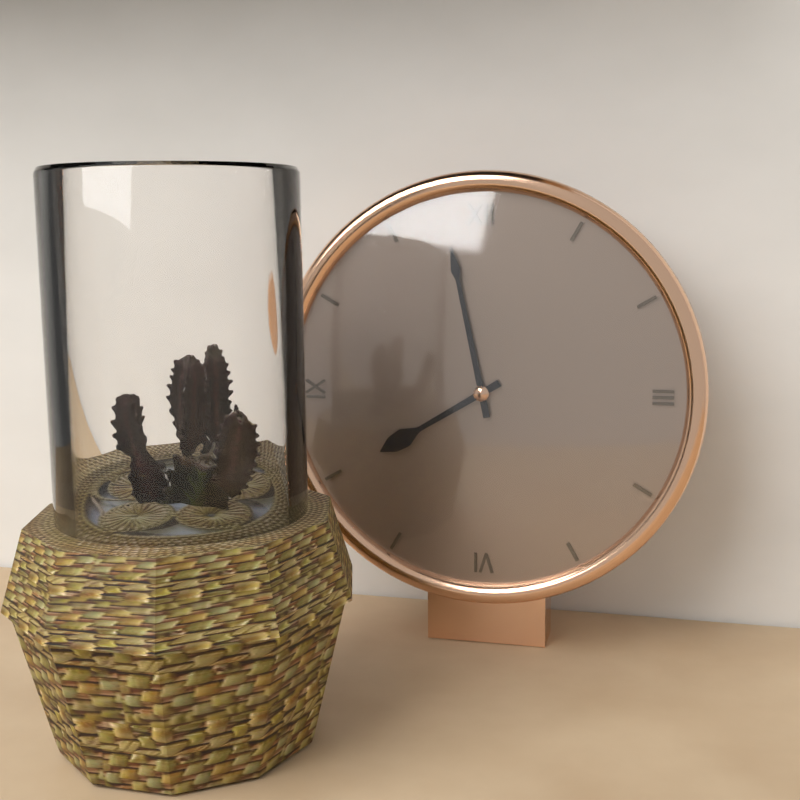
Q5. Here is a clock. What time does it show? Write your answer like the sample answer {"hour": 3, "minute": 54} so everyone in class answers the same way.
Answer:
{"hour": 7, "minute": 58}
